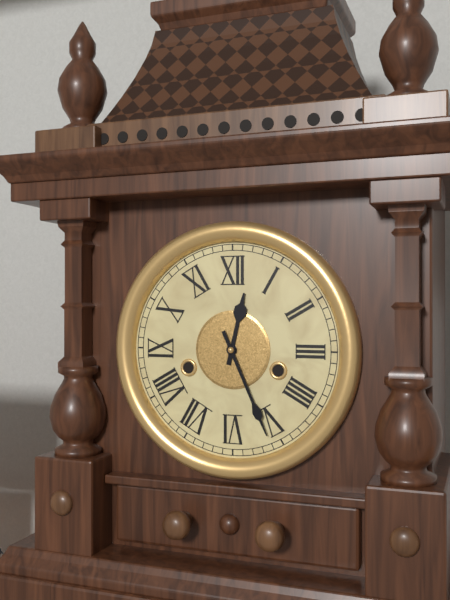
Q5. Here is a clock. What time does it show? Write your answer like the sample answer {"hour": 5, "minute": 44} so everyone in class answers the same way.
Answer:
{"hour": 12, "minute": 26}
